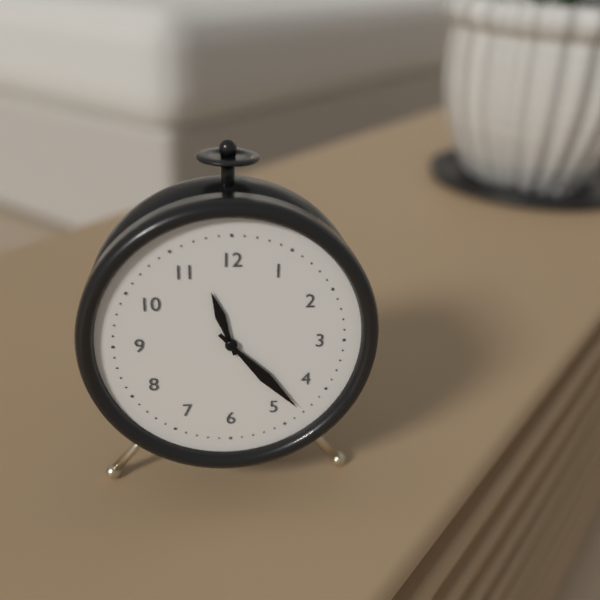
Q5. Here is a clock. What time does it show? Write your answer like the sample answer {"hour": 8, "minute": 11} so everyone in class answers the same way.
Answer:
{"hour": 11, "minute": 23}
